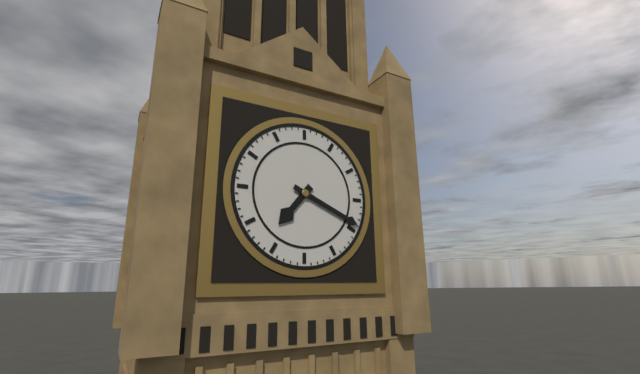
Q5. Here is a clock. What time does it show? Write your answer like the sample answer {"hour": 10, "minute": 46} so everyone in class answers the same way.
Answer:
{"hour": 7, "minute": 19}
